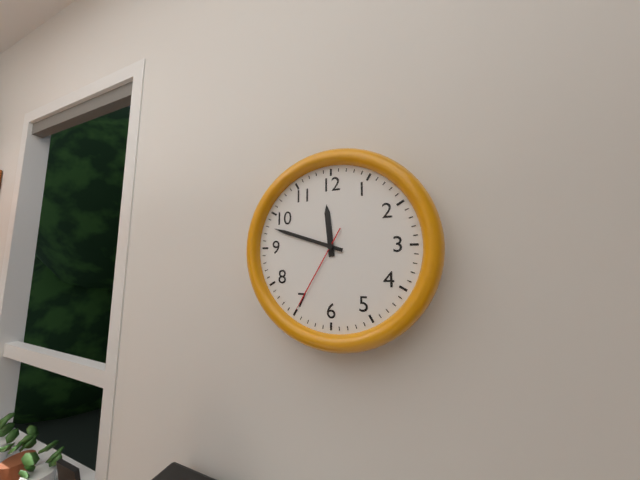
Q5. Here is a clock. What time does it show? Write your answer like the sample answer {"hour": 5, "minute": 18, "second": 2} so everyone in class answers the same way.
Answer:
{"hour": 11, "minute": 48, "second": 35}
